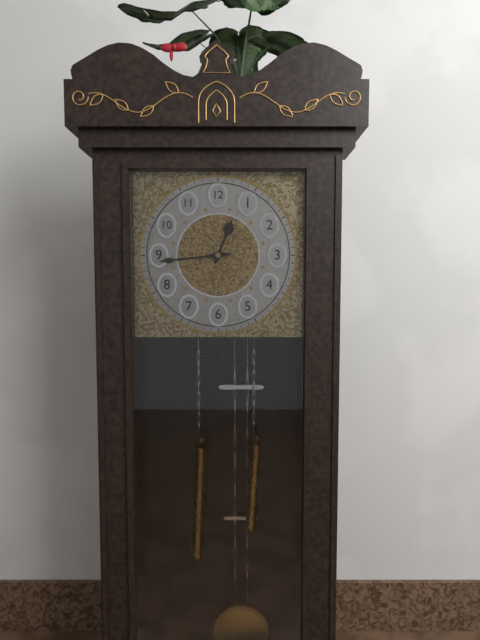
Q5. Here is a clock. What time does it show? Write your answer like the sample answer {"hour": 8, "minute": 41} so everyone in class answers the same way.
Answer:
{"hour": 12, "minute": 44}
